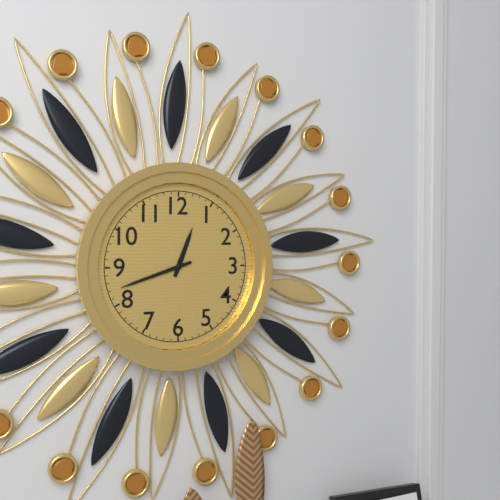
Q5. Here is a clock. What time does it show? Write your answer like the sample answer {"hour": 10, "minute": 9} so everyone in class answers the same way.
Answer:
{"hour": 12, "minute": 42}
